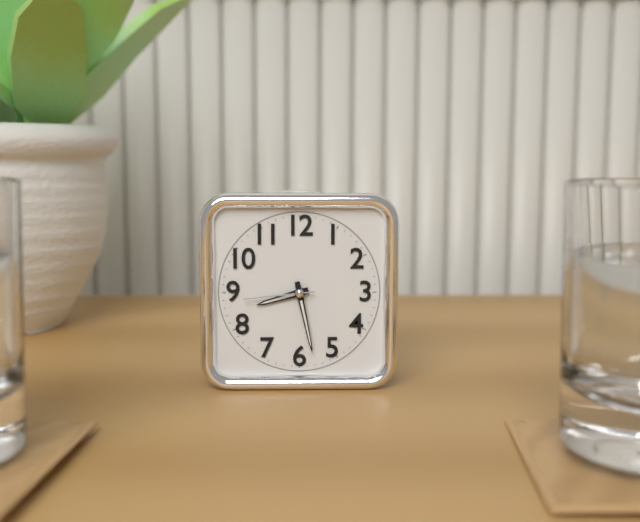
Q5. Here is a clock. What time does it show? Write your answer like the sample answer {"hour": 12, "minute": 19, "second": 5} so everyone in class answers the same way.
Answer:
{"hour": 8, "minute": 28, "second": 44}
